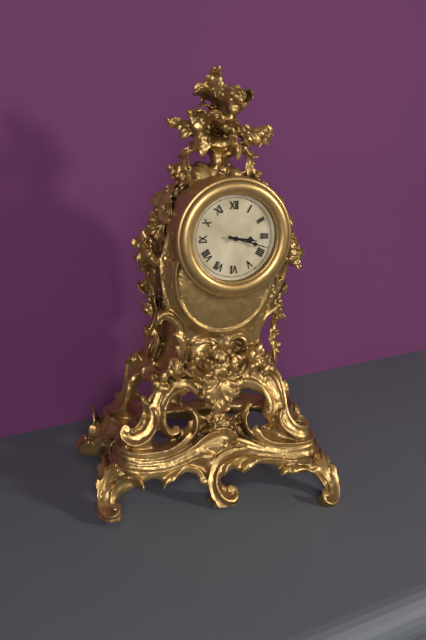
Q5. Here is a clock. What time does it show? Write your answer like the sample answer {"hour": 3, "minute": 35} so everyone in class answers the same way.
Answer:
{"hour": 3, "minute": 18}
